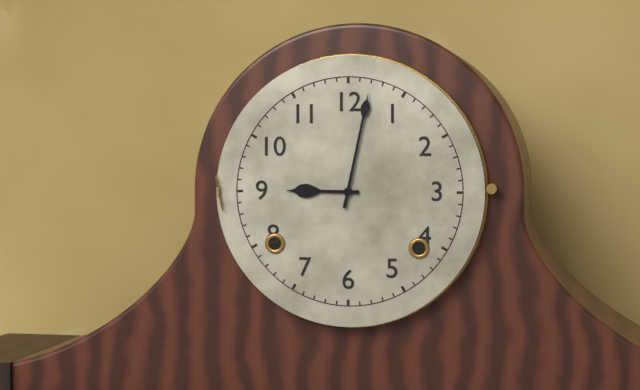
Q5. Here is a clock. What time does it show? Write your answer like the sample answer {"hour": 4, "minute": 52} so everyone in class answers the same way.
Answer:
{"hour": 9, "minute": 2}
